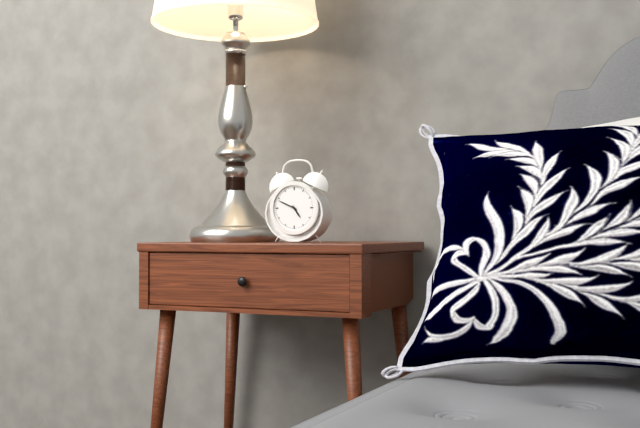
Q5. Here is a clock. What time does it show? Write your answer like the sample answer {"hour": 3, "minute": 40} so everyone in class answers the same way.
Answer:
{"hour": 4, "minute": 49}
